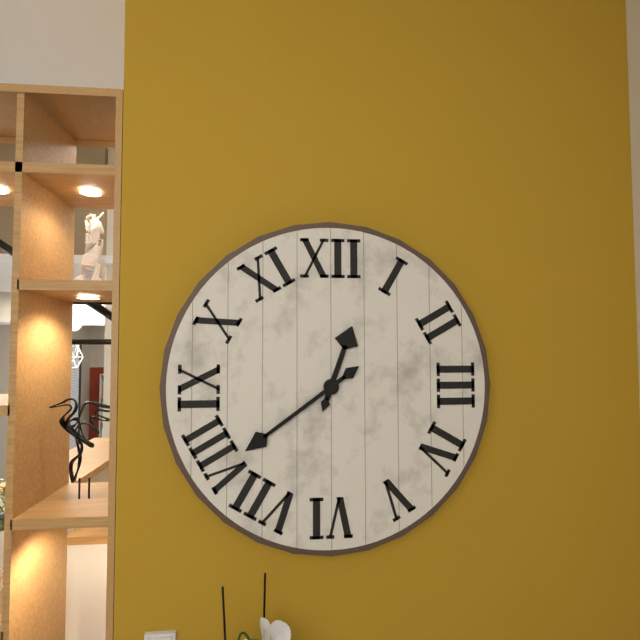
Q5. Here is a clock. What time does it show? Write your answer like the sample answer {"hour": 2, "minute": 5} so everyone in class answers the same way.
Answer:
{"hour": 12, "minute": 39}
